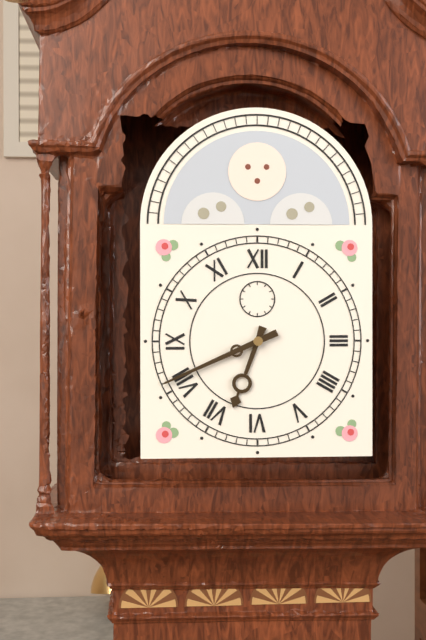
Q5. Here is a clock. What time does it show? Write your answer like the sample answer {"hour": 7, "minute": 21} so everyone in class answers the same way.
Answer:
{"hour": 6, "minute": 41}
